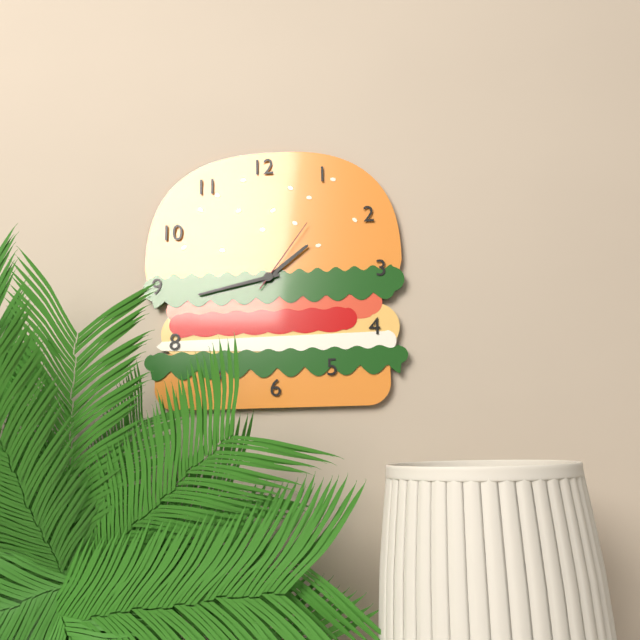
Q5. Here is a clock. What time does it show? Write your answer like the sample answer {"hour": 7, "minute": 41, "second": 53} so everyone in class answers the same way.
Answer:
{"hour": 1, "minute": 43, "second": 6}
